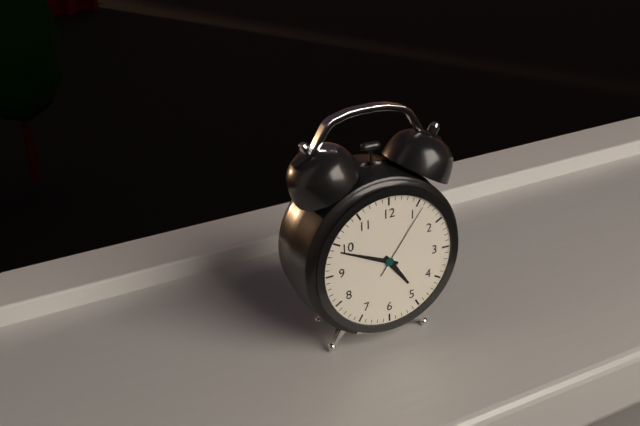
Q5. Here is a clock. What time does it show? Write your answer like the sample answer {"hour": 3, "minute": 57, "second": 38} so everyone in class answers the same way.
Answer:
{"hour": 4, "minute": 49, "second": 6}
